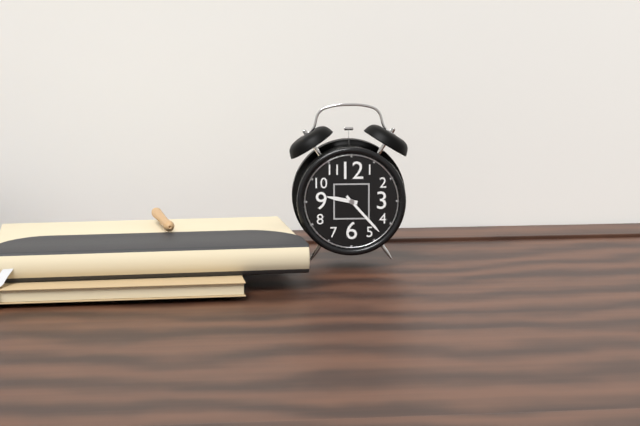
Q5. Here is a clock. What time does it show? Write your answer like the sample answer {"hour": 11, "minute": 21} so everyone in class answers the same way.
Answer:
{"hour": 9, "minute": 23}
